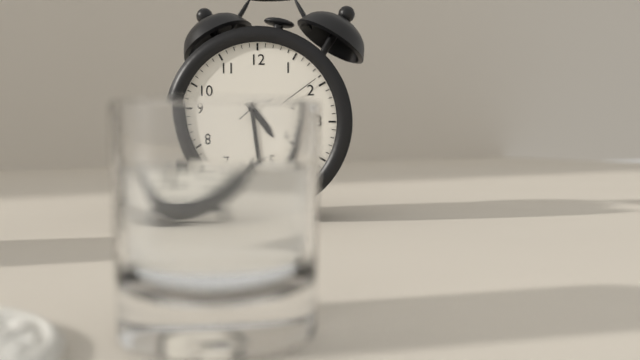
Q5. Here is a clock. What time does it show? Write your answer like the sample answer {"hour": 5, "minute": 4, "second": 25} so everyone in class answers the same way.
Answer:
{"hour": 4, "minute": 28, "second": 9}
